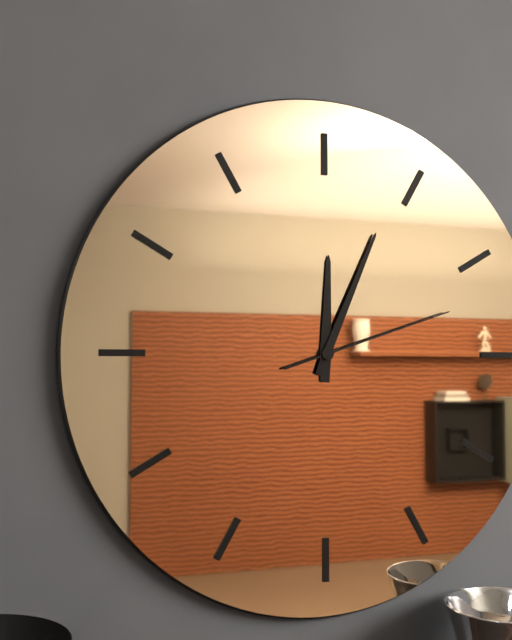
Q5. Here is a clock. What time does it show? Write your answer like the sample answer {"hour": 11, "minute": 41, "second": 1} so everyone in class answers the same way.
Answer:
{"hour": 12, "minute": 4, "second": 12}
